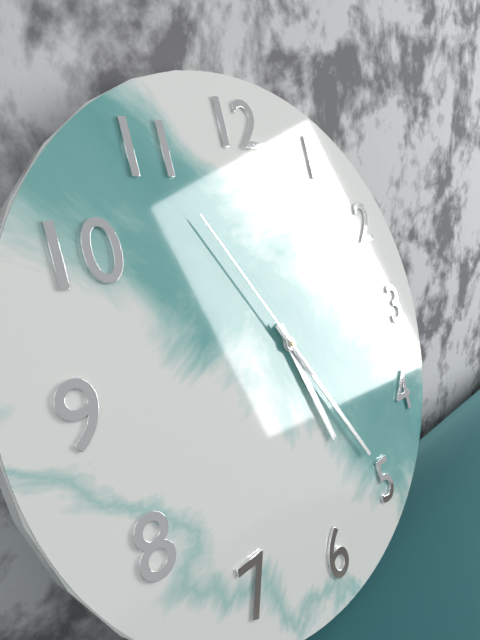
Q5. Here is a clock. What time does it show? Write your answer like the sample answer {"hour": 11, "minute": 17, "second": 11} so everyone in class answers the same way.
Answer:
{"hour": 5, "minute": 25, "second": 55}
